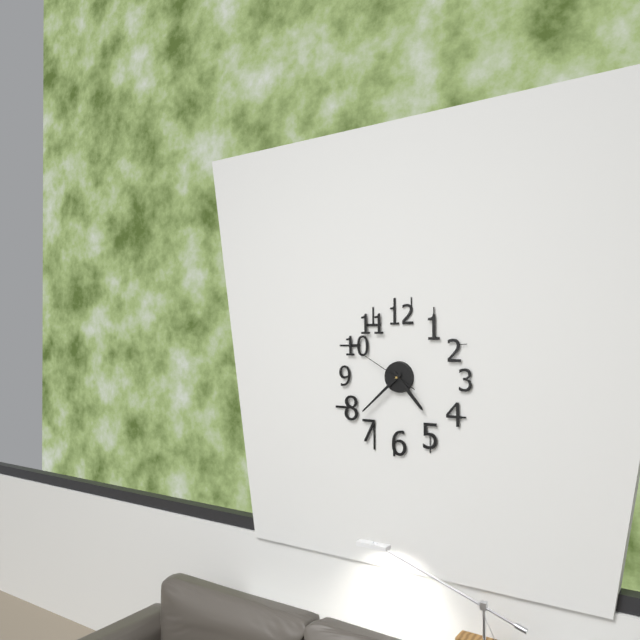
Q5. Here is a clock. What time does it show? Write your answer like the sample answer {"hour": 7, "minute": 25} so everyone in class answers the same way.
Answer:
{"hour": 4, "minute": 38}
